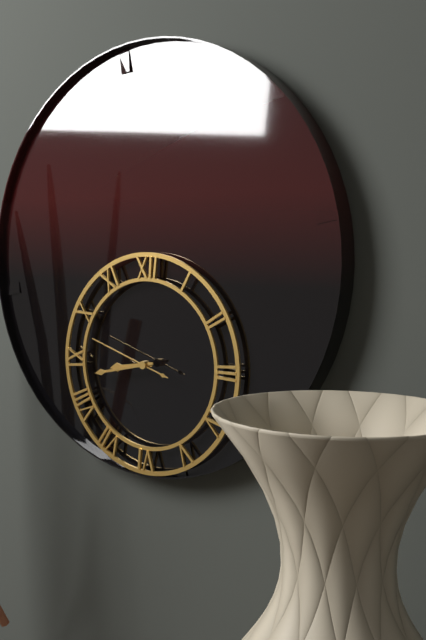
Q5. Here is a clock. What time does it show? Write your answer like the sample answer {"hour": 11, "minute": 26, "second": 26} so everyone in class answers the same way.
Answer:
{"hour": 8, "minute": 43, "second": 48}
